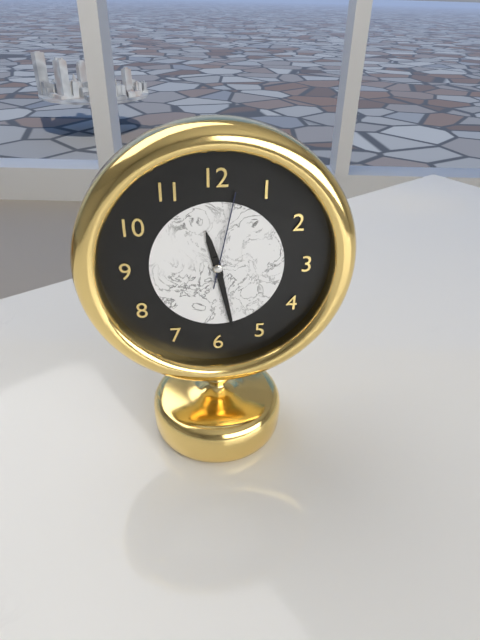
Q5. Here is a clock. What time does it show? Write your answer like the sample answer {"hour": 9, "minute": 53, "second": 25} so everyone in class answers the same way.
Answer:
{"hour": 11, "minute": 28, "second": 2}
